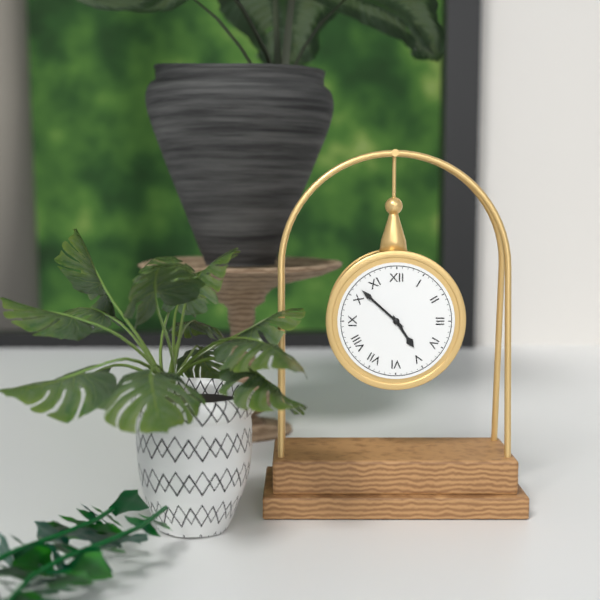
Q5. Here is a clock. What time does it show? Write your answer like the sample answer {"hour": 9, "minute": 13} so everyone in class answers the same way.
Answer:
{"hour": 4, "minute": 52}
